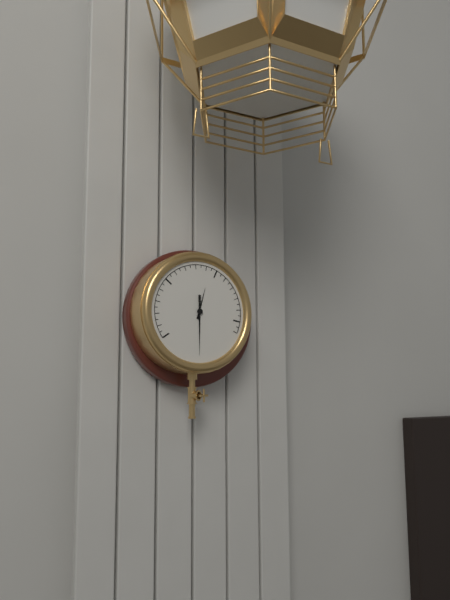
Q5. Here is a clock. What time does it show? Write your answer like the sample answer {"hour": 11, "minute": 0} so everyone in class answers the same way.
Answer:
{"hour": 12, "minute": 30}
